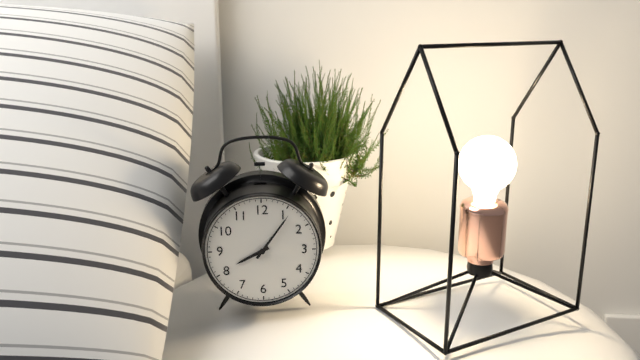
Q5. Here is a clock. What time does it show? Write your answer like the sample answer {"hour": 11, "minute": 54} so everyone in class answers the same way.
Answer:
{"hour": 8, "minute": 6}
